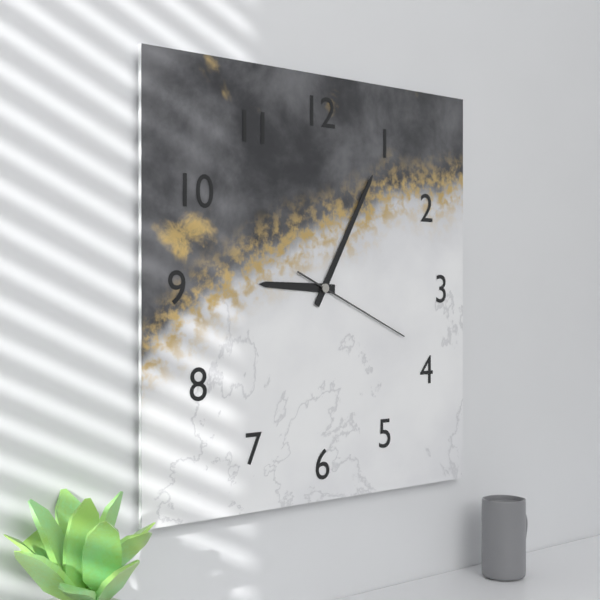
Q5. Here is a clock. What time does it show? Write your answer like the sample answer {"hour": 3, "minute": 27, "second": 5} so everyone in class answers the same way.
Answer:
{"hour": 9, "minute": 5, "second": 19}
